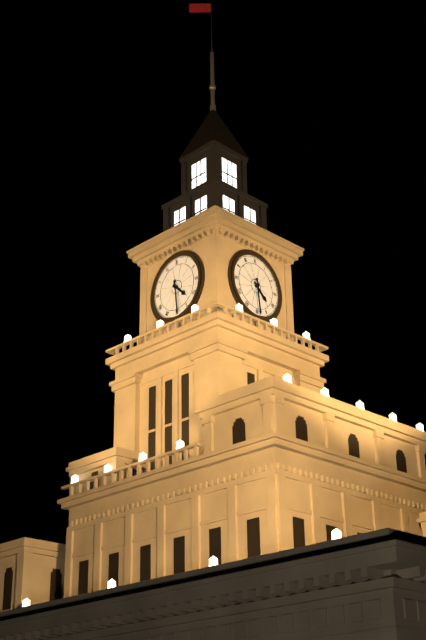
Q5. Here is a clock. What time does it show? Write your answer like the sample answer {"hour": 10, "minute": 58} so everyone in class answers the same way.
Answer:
{"hour": 4, "minute": 29}
